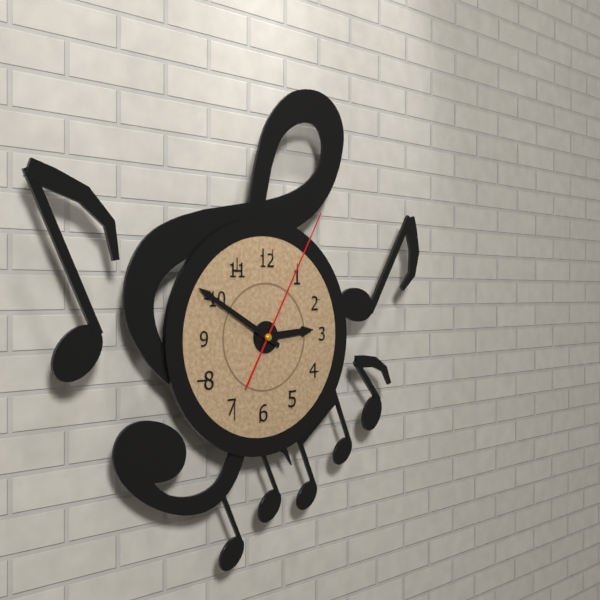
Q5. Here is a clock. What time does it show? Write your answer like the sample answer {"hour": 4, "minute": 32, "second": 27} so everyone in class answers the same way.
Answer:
{"hour": 2, "minute": 50, "second": 5}
